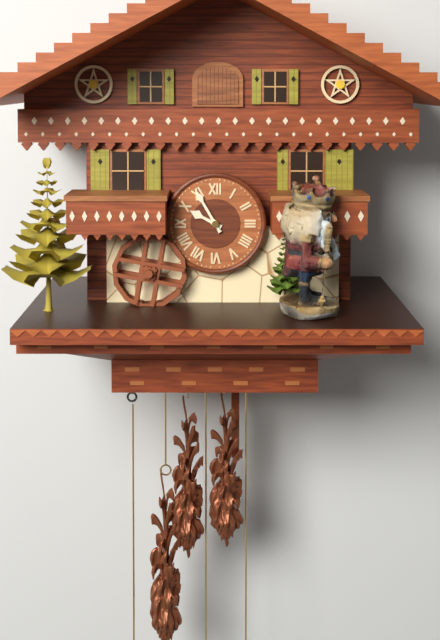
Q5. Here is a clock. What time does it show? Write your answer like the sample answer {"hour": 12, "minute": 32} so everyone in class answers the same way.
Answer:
{"hour": 9, "minute": 55}
